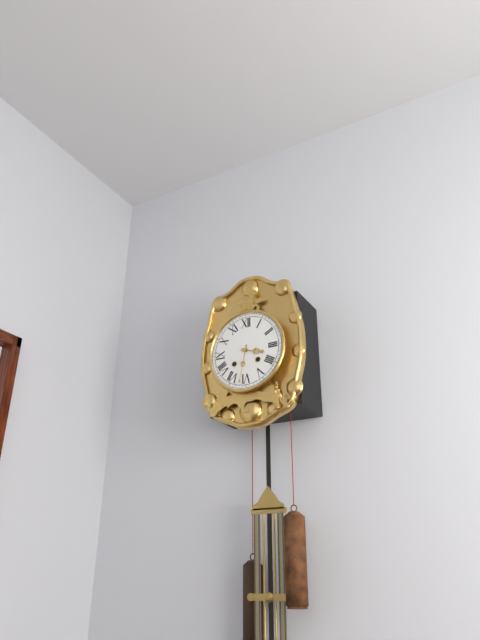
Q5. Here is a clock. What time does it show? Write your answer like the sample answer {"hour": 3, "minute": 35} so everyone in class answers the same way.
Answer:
{"hour": 3, "minute": 32}
